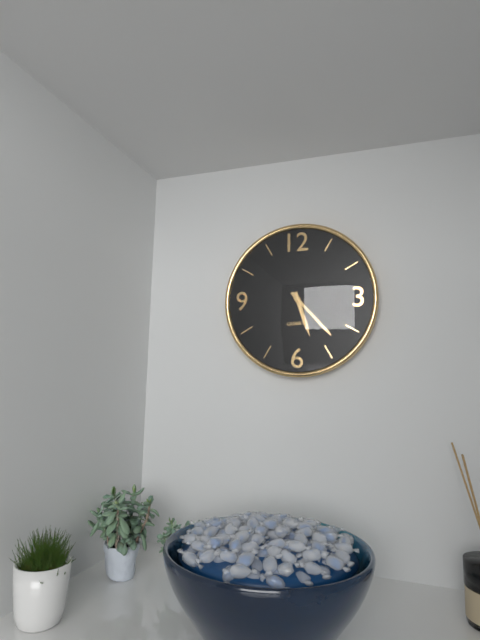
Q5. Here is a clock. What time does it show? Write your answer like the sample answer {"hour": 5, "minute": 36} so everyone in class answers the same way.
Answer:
{"hour": 5, "minute": 23}
